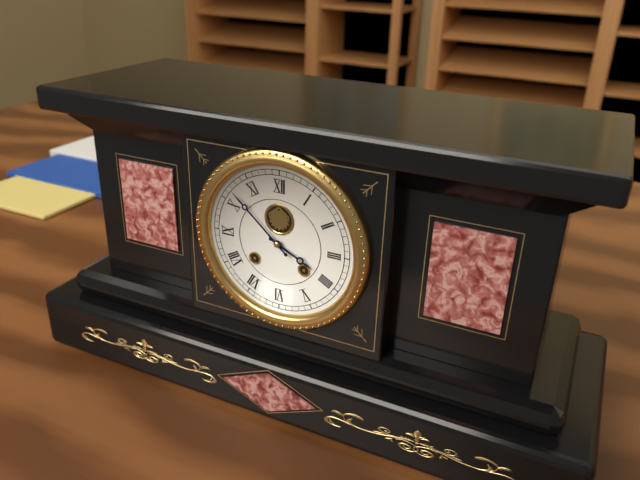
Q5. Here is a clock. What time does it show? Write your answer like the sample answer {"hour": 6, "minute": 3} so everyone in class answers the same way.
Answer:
{"hour": 3, "minute": 52}
